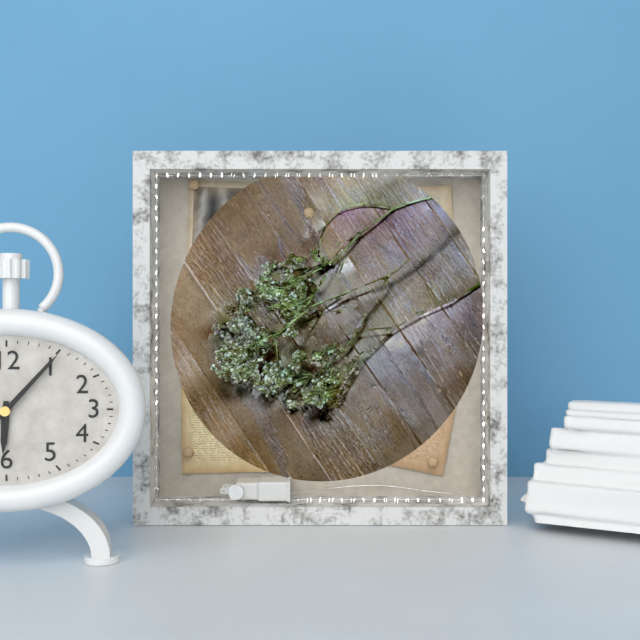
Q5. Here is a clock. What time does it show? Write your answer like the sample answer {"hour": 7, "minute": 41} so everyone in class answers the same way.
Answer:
{"hour": 6, "minute": 7}
